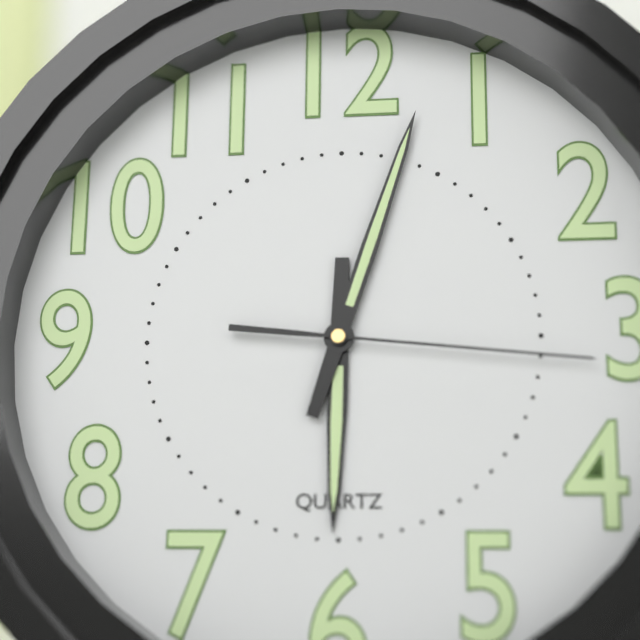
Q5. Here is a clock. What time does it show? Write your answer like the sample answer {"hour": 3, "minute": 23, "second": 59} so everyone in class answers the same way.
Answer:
{"hour": 6, "minute": 3, "second": 16}
